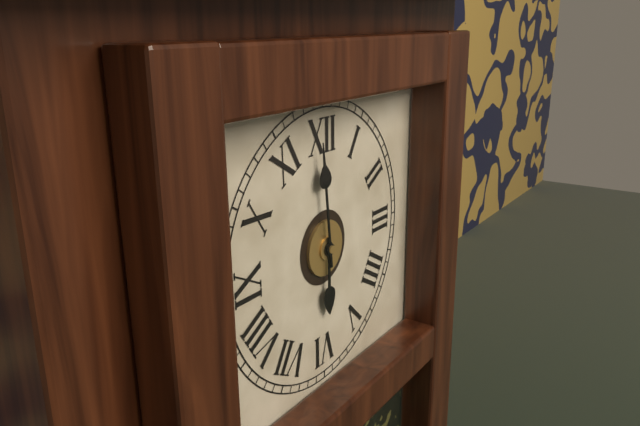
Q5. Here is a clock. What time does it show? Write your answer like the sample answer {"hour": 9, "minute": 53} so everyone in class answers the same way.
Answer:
{"hour": 5, "minute": 59}
